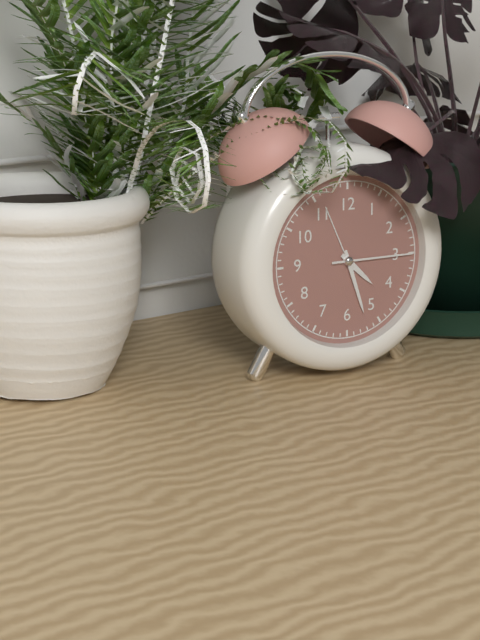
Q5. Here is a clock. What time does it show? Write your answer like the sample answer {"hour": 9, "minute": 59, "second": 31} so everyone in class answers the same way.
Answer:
{"hour": 4, "minute": 27, "second": 15}
